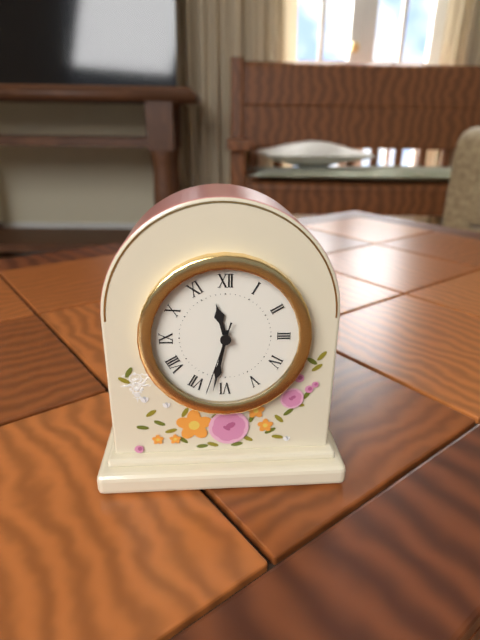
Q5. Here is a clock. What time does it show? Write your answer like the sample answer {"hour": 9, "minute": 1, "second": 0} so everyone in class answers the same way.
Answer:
{"hour": 11, "minute": 32, "second": 33}
